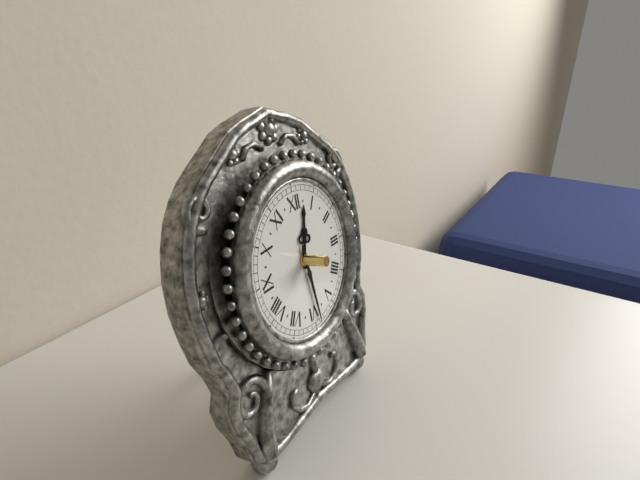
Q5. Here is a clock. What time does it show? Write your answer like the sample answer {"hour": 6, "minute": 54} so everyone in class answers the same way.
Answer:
{"hour": 12, "minute": 29}
